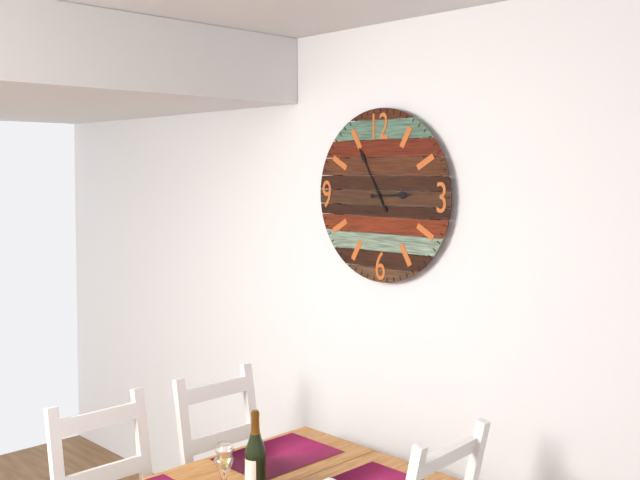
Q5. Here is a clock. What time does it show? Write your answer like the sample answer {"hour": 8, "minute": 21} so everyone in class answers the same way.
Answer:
{"hour": 2, "minute": 55}
